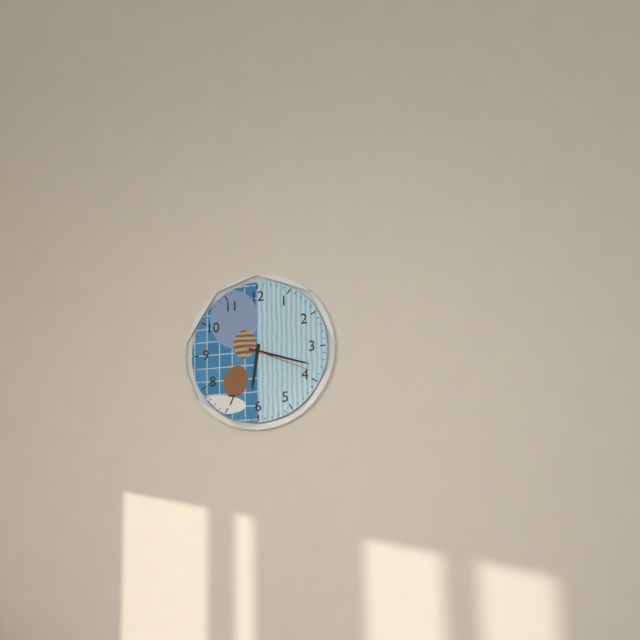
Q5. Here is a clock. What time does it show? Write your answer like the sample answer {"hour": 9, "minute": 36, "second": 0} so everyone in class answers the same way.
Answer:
{"hour": 6, "minute": 18, "second": 19}
